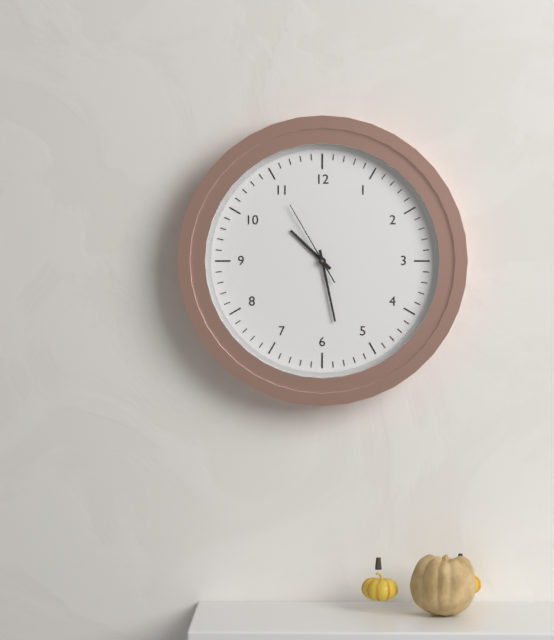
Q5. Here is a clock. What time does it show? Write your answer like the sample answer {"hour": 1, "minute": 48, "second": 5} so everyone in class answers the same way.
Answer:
{"hour": 10, "minute": 28, "second": 55}
